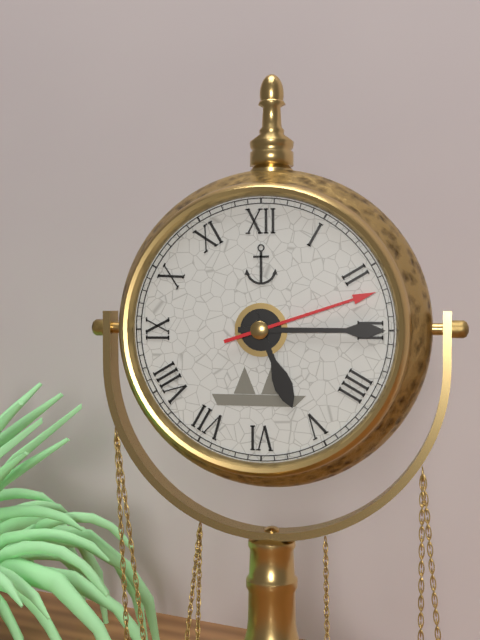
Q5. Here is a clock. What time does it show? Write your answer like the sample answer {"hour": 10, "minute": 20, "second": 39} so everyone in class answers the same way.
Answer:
{"hour": 5, "minute": 15, "second": 12}
